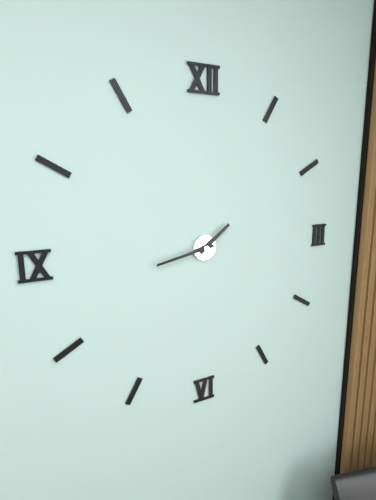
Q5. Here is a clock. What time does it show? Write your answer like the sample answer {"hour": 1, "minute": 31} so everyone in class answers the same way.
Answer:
{"hour": 1, "minute": 43}
